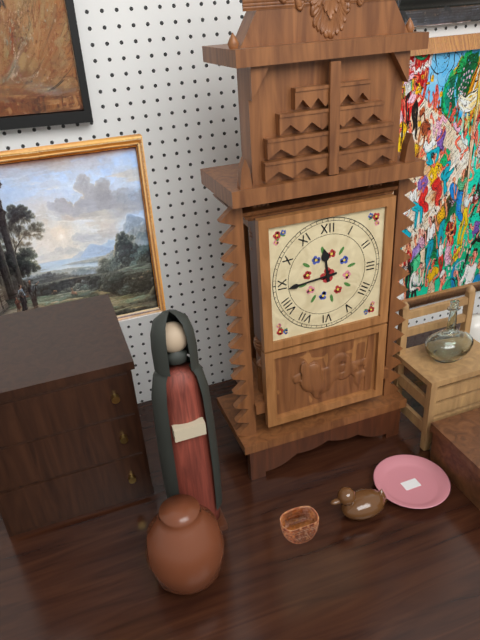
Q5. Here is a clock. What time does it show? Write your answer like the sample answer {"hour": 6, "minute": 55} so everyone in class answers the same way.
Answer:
{"hour": 11, "minute": 44}
